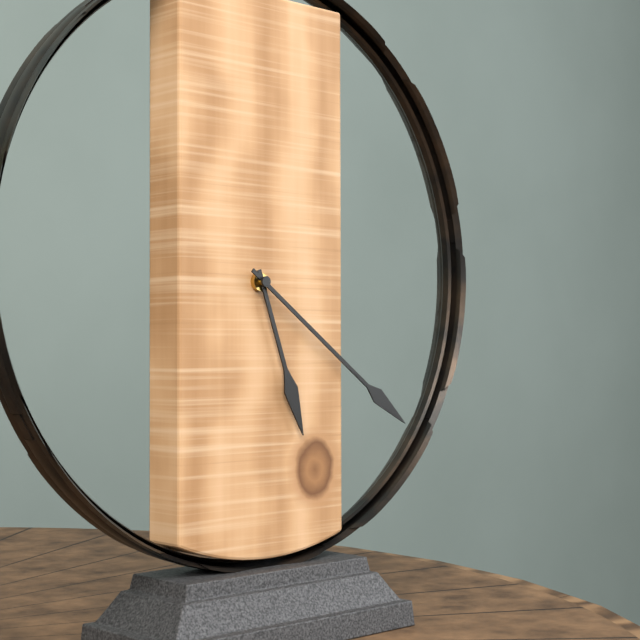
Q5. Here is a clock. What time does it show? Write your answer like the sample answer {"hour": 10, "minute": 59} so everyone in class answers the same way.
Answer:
{"hour": 5, "minute": 21}
